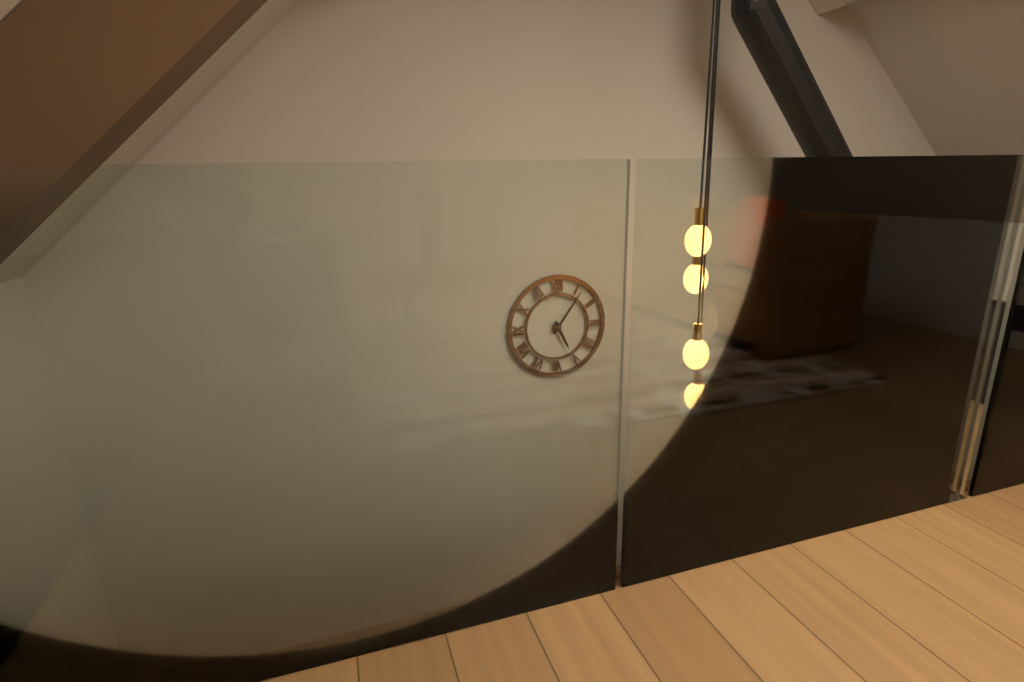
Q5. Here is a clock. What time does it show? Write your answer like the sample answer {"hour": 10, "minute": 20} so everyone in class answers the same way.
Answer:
{"hour": 5, "minute": 6}
